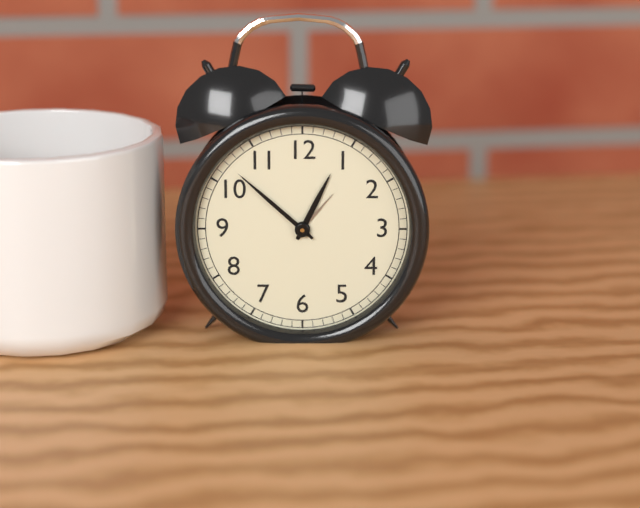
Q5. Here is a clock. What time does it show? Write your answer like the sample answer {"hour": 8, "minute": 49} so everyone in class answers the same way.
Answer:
{"hour": 12, "minute": 52}
